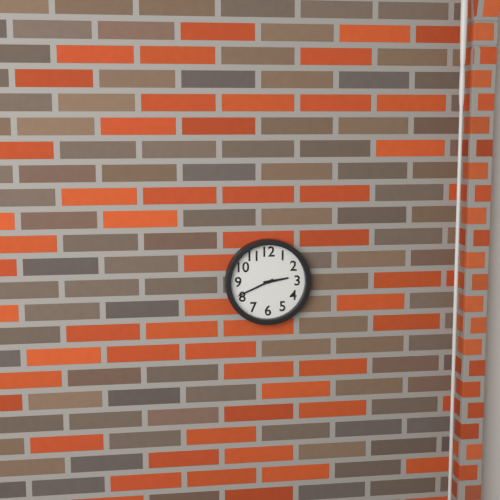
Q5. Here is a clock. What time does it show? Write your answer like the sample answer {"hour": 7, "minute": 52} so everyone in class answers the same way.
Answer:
{"hour": 2, "minute": 41}
